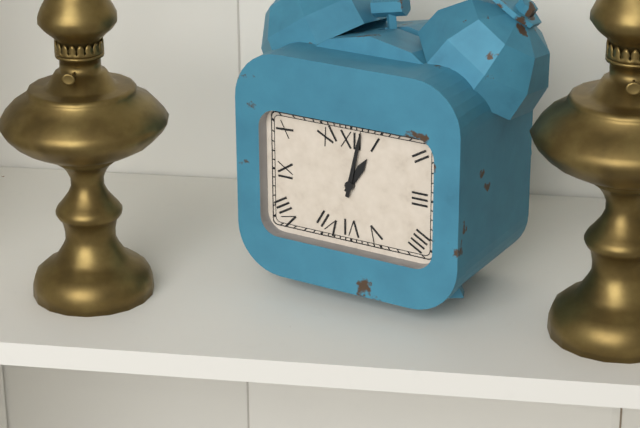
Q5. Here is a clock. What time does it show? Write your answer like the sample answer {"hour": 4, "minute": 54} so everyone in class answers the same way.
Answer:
{"hour": 1, "minute": 2}
